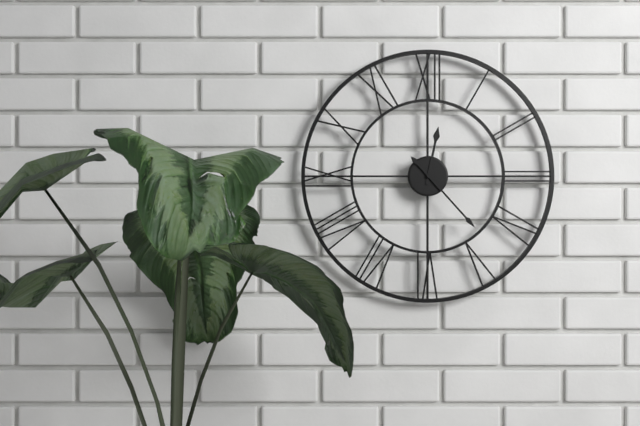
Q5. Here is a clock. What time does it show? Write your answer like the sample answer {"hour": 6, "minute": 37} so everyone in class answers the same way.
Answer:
{"hour": 12, "minute": 23}
